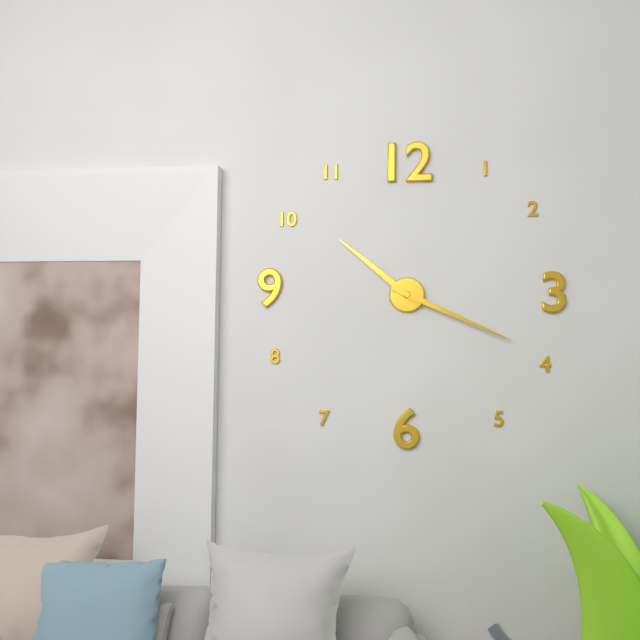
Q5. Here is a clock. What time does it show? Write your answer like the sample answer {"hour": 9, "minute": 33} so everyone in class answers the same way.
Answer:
{"hour": 10, "minute": 19}
